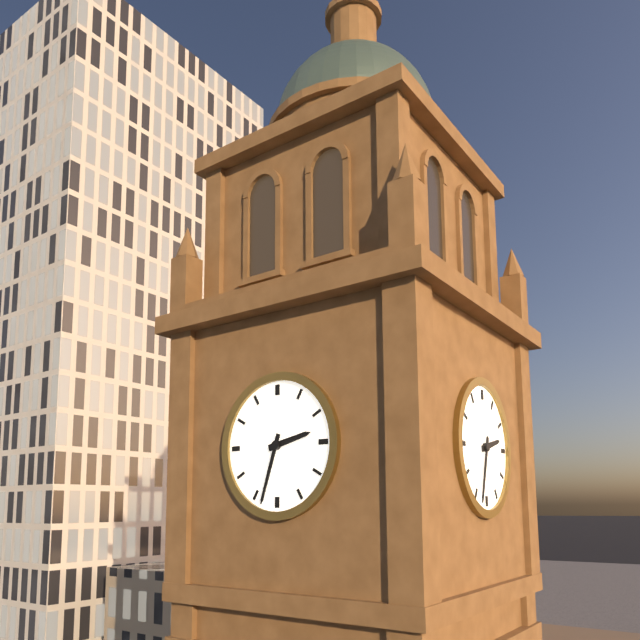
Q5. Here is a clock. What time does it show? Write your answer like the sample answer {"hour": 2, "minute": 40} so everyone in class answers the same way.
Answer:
{"hour": 2, "minute": 33}
